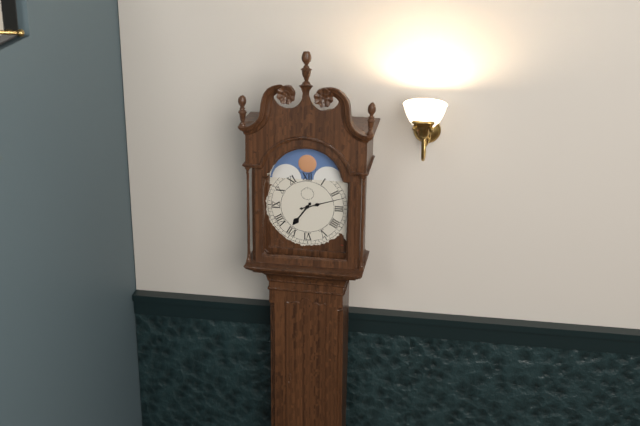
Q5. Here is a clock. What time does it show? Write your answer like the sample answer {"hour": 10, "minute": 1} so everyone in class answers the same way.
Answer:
{"hour": 7, "minute": 12}
